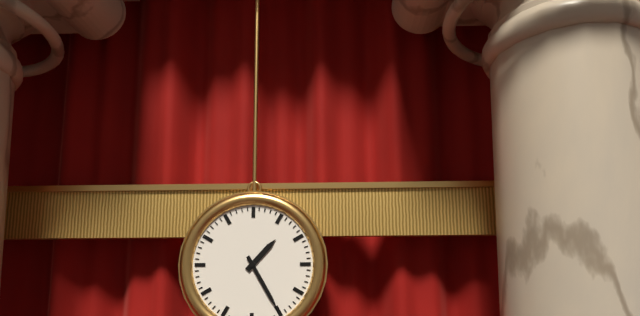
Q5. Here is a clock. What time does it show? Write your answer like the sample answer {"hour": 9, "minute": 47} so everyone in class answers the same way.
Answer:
{"hour": 1, "minute": 25}
